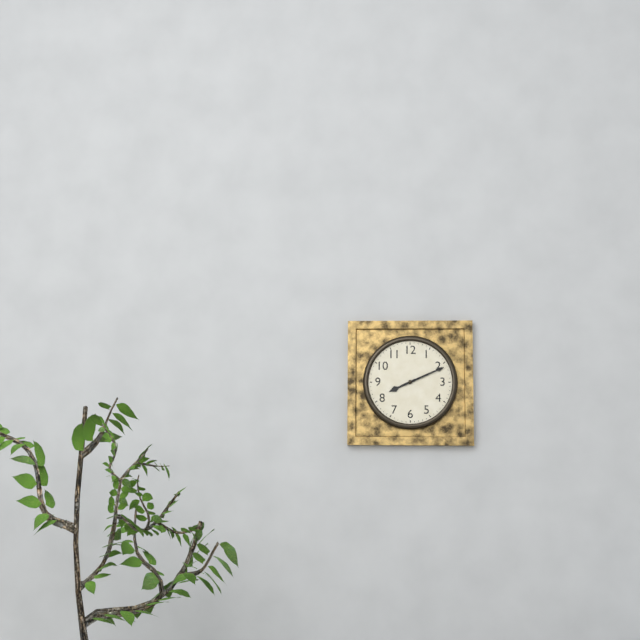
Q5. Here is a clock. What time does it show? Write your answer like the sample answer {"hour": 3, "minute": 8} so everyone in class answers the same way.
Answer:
{"hour": 8, "minute": 11}
